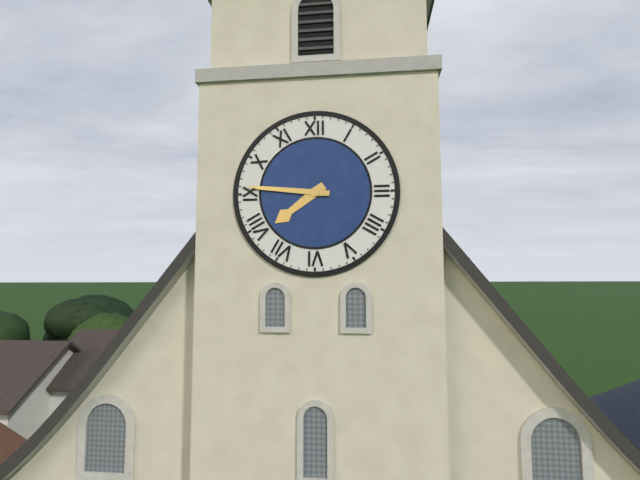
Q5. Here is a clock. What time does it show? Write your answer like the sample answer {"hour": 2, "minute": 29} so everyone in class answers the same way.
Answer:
{"hour": 7, "minute": 46}
